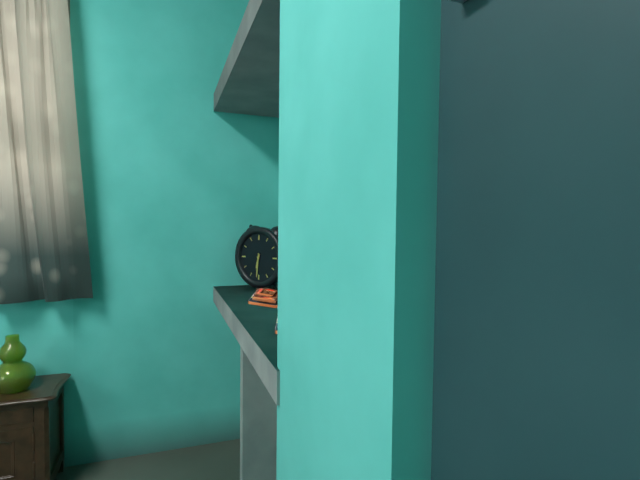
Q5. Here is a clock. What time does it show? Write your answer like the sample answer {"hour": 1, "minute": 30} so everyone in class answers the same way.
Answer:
{"hour": 6, "minute": 31}
